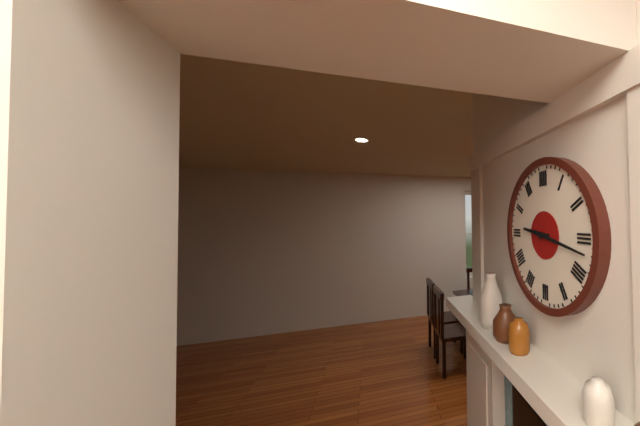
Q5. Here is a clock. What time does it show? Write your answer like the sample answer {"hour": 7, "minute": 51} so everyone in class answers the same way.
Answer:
{"hour": 9, "minute": 17}
